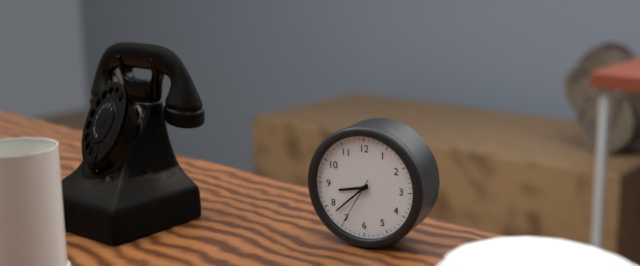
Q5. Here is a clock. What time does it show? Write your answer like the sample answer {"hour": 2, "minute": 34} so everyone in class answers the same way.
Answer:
{"hour": 8, "minute": 38}
